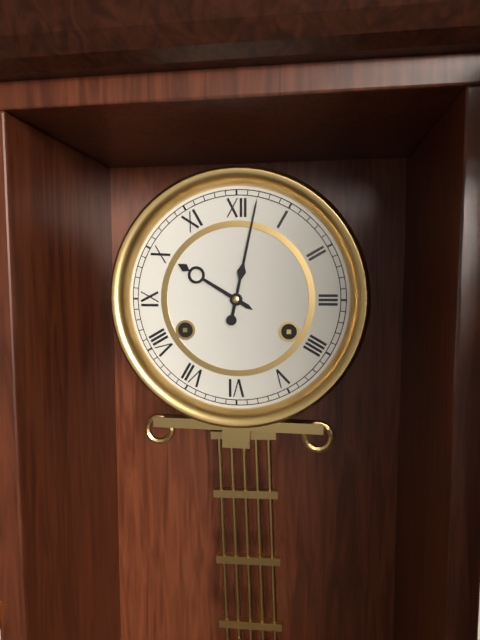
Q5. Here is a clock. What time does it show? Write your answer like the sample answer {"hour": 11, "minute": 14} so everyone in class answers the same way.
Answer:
{"hour": 10, "minute": 2}
